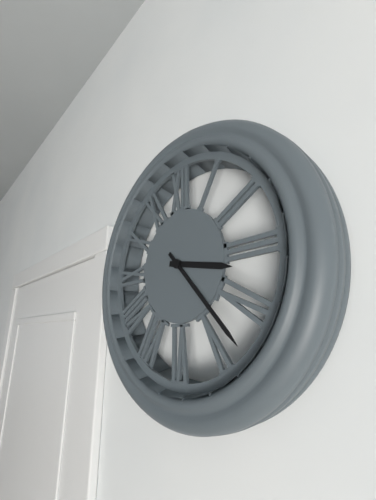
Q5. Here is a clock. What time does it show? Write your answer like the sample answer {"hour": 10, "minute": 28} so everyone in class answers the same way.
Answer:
{"hour": 3, "minute": 23}
